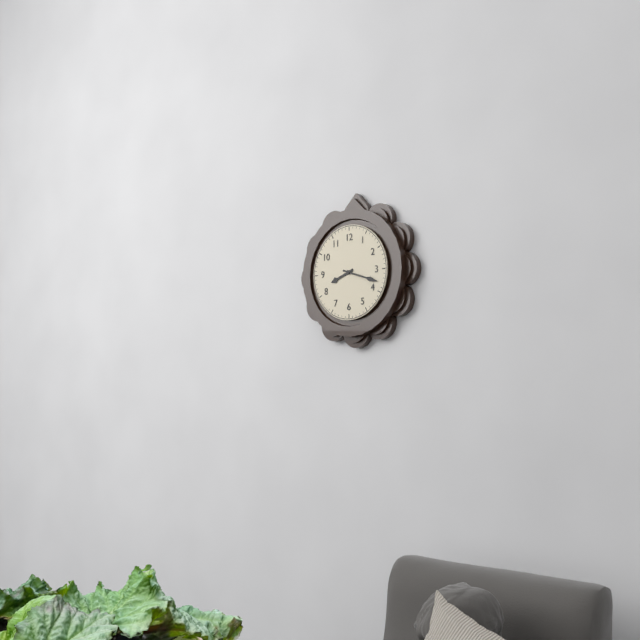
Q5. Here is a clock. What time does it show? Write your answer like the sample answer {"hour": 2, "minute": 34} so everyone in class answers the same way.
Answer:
{"hour": 8, "minute": 18}
